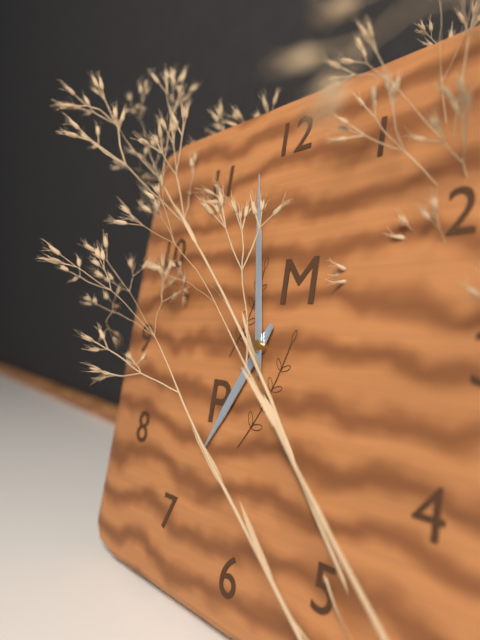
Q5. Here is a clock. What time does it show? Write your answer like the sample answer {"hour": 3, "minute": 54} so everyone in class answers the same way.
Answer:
{"hour": 6, "minute": 58}
